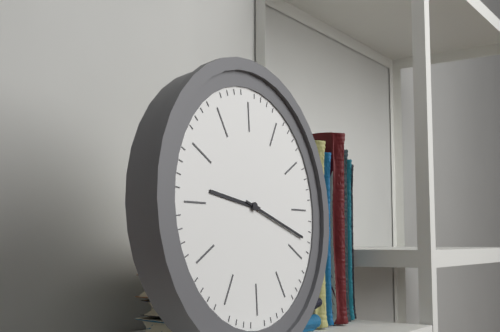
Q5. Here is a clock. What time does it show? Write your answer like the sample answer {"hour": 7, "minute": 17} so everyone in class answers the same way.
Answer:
{"hour": 9, "minute": 18}
